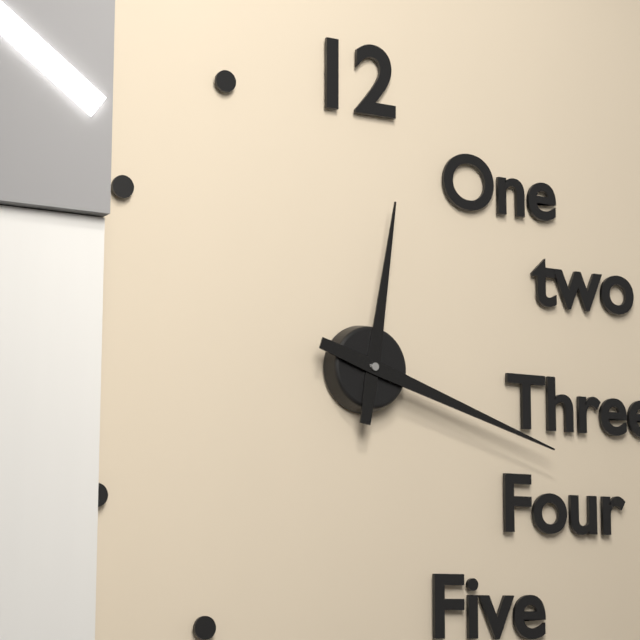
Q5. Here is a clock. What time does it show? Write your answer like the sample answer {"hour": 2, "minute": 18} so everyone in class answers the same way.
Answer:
{"hour": 12, "minute": 18}
